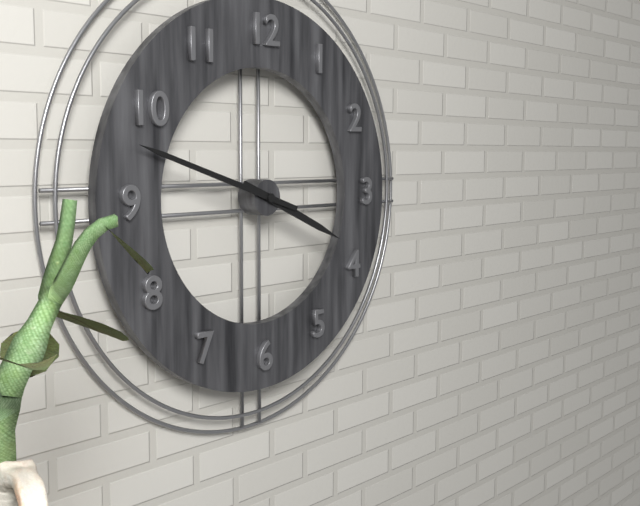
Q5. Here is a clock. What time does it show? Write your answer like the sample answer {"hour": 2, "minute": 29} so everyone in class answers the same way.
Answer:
{"hour": 3, "minute": 48}
